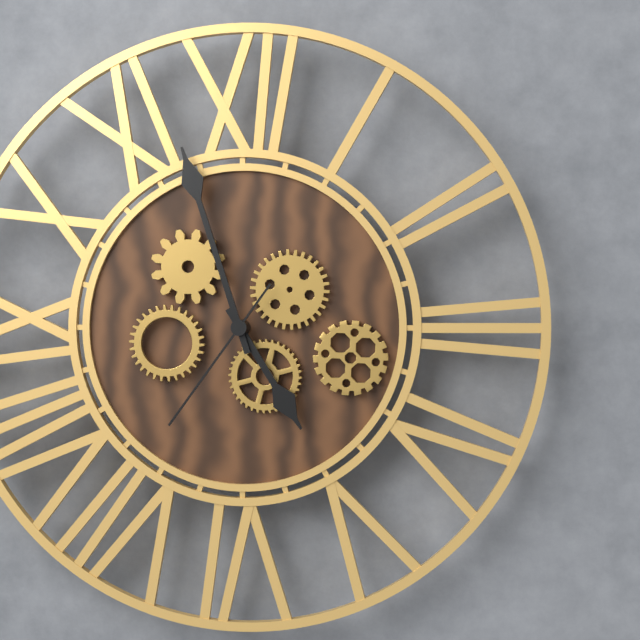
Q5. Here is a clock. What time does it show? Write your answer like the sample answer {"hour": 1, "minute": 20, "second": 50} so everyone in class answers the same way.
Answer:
{"hour": 4, "minute": 57, "second": 36}
